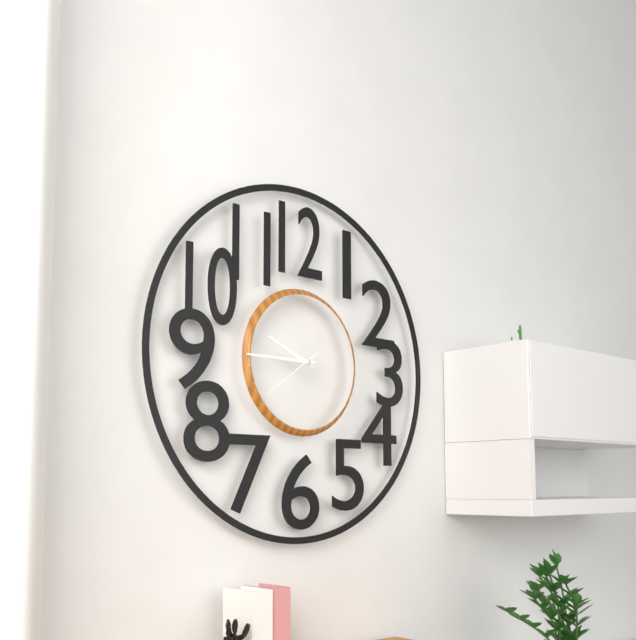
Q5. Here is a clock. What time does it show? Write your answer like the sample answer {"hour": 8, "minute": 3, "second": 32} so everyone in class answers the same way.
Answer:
{"hour": 9, "minute": 45, "second": 39}
